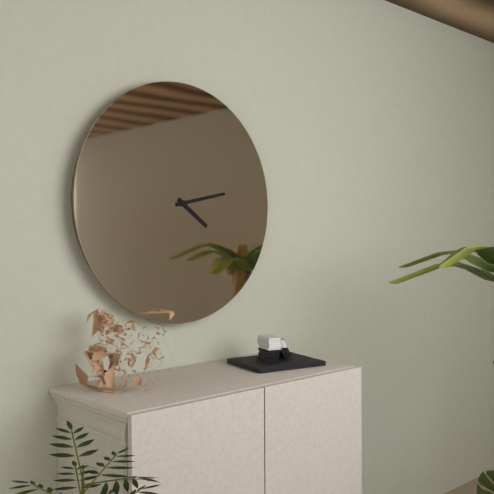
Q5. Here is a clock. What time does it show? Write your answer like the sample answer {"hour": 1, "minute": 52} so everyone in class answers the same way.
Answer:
{"hour": 4, "minute": 13}
